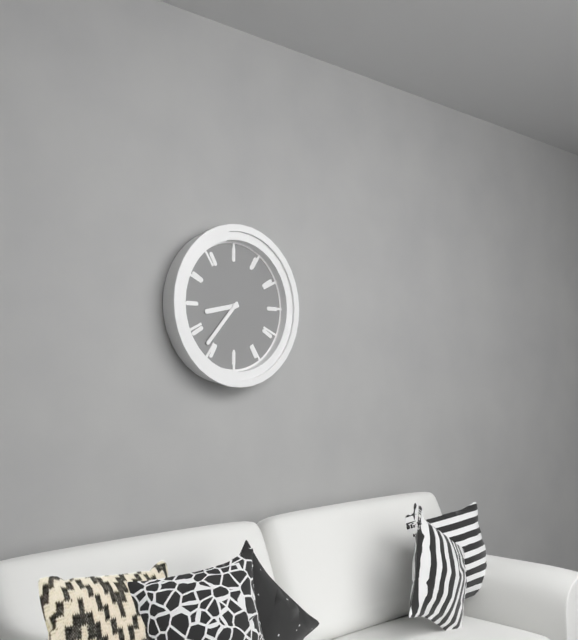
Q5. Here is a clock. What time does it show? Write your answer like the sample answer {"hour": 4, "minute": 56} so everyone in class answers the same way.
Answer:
{"hour": 8, "minute": 37}
